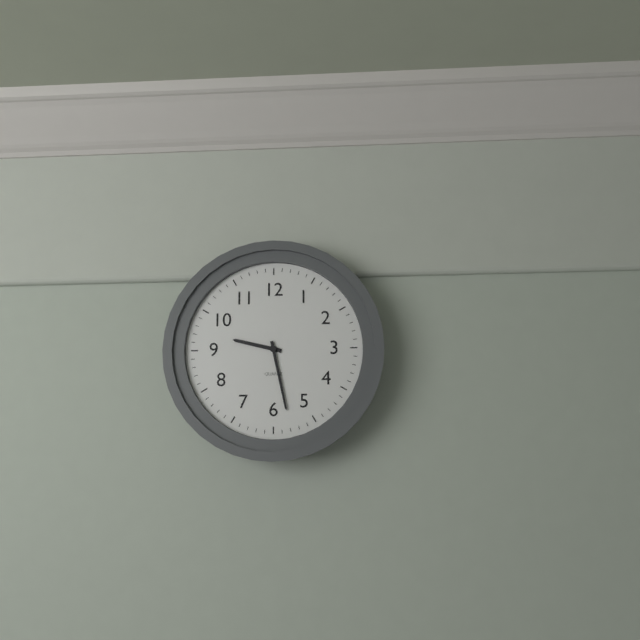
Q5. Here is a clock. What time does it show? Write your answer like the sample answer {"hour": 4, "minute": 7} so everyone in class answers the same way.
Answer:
{"hour": 9, "minute": 28}
